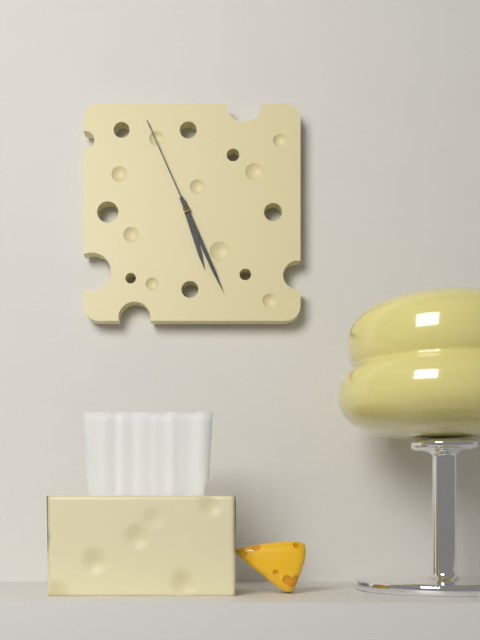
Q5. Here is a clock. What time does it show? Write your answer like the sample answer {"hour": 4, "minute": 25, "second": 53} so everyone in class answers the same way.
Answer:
{"hour": 5, "minute": 26, "second": 56}
